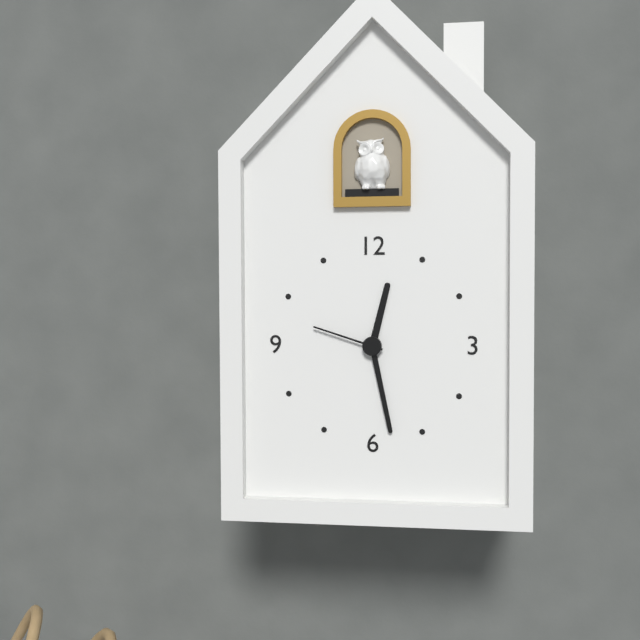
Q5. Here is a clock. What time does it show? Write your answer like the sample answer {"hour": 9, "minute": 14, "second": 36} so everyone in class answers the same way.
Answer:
{"hour": 12, "minute": 28, "second": 48}
